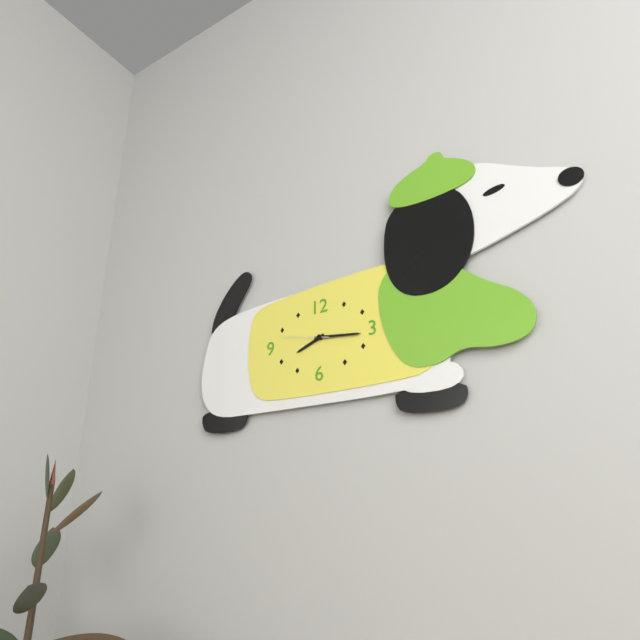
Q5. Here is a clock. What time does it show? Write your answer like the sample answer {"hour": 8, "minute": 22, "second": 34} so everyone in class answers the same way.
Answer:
{"hour": 8, "minute": 16, "second": 47}
